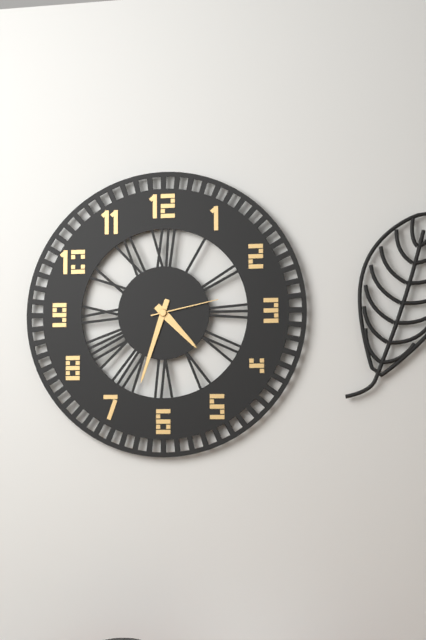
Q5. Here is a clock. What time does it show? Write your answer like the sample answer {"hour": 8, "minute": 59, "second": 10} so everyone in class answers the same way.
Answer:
{"hour": 4, "minute": 33, "second": 13}
